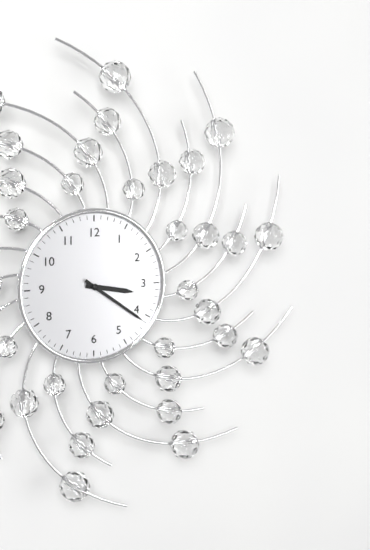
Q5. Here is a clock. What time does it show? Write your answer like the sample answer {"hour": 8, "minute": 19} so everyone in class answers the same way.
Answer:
{"hour": 3, "minute": 21}
